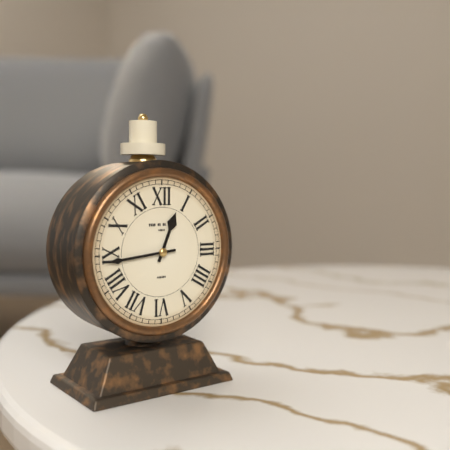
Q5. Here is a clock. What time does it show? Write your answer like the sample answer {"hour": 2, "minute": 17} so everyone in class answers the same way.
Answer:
{"hour": 12, "minute": 44}
